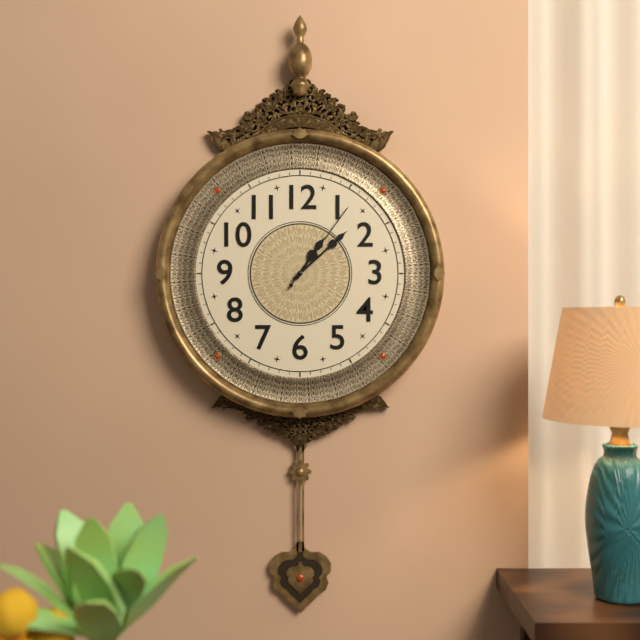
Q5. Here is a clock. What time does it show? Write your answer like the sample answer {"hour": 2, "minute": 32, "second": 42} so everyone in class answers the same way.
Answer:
{"hour": 1, "minute": 8, "second": 6}
